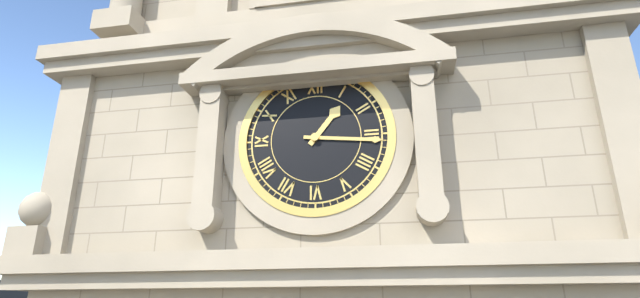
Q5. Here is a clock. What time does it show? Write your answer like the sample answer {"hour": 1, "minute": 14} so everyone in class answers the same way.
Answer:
{"hour": 1, "minute": 16}
